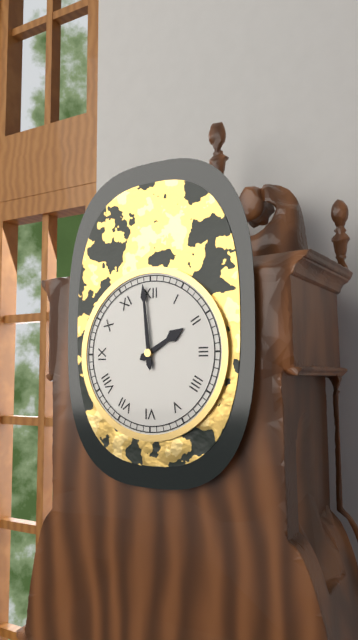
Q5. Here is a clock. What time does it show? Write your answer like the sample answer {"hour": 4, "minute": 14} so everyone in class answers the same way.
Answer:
{"hour": 1, "minute": 59}
